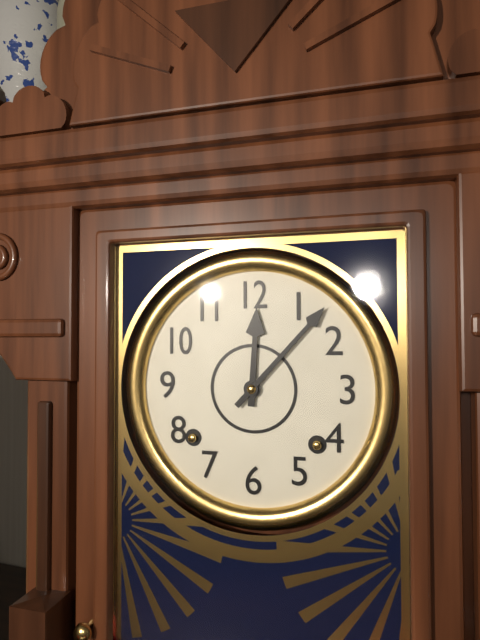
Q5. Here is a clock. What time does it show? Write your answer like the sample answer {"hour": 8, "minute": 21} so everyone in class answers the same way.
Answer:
{"hour": 12, "minute": 7}
